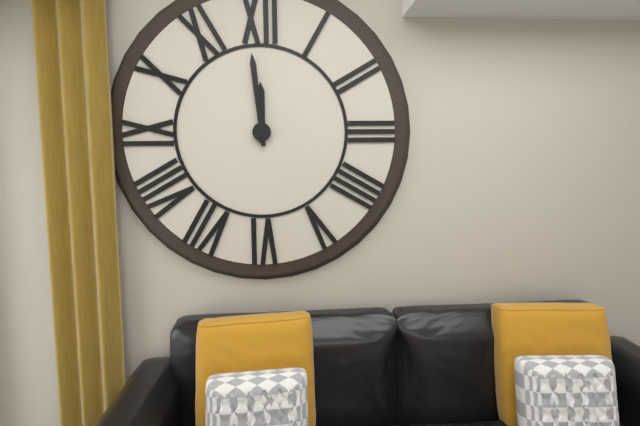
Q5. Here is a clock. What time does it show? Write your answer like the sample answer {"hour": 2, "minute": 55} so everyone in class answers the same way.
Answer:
{"hour": 11, "minute": 59}
